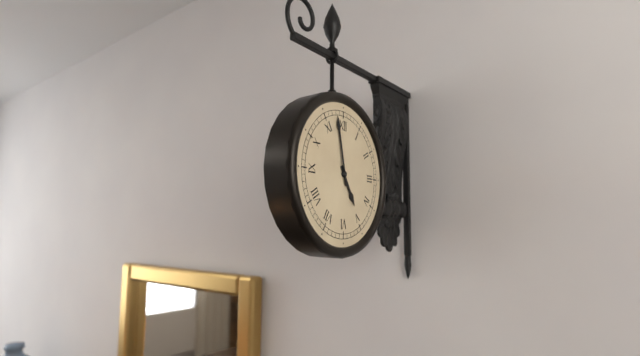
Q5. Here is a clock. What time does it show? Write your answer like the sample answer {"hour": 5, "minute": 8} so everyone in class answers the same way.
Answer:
{"hour": 4, "minute": 58}
